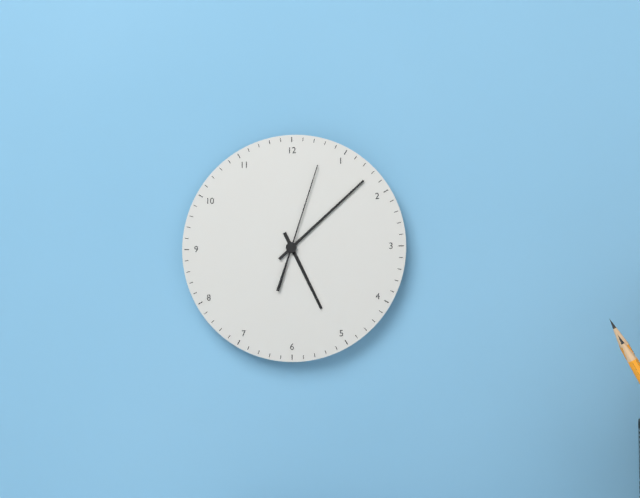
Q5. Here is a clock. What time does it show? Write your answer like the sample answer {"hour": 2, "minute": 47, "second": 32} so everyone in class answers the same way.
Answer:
{"hour": 5, "minute": 8, "second": 3}
